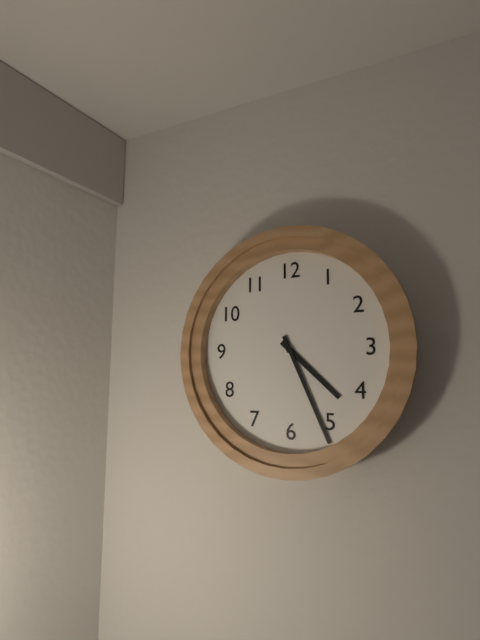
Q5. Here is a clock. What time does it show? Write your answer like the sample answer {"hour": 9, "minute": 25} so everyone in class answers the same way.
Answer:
{"hour": 4, "minute": 26}
